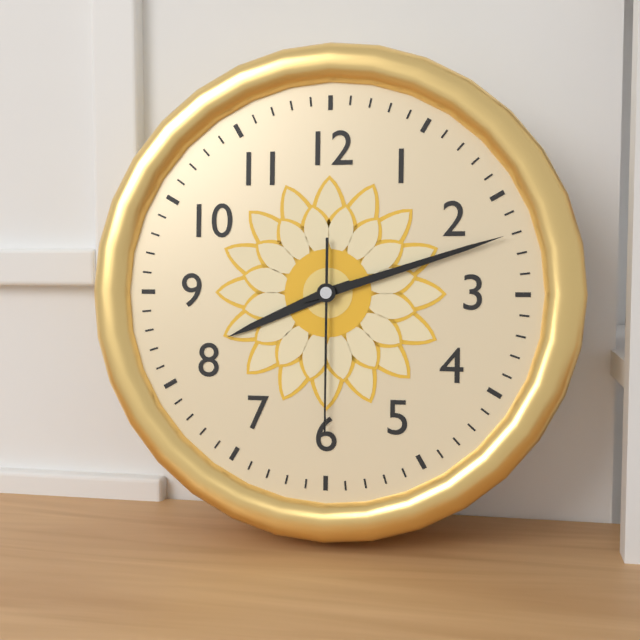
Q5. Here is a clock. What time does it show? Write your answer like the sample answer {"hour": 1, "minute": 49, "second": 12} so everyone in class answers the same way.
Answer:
{"hour": 8, "minute": 12, "second": 30}
